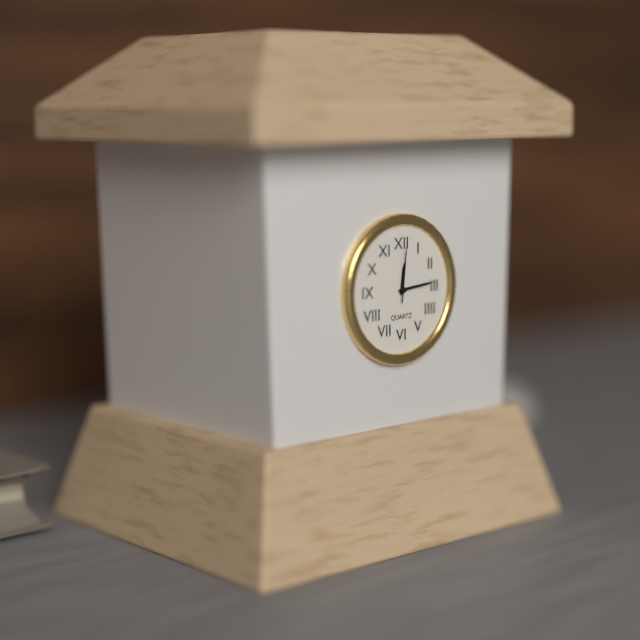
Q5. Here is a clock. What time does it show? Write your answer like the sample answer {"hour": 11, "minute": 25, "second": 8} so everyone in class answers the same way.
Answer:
{"hour": 12, "minute": 14, "second": 1}
